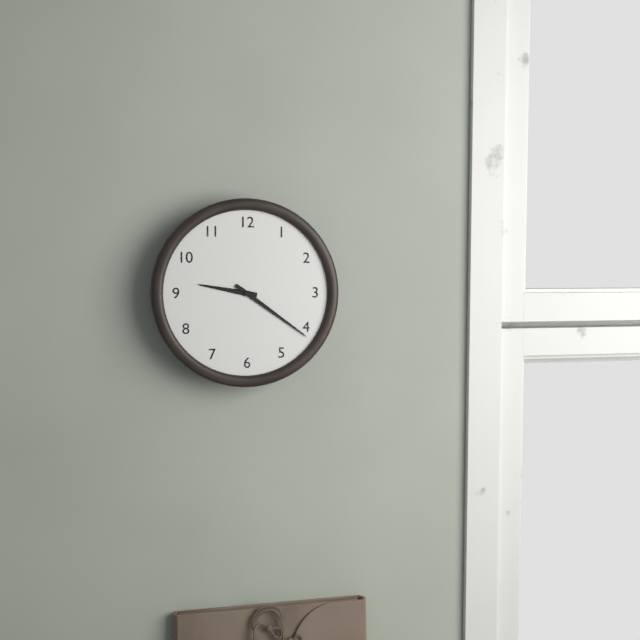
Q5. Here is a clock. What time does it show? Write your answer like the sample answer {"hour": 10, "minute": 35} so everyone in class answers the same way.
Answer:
{"hour": 9, "minute": 21}
